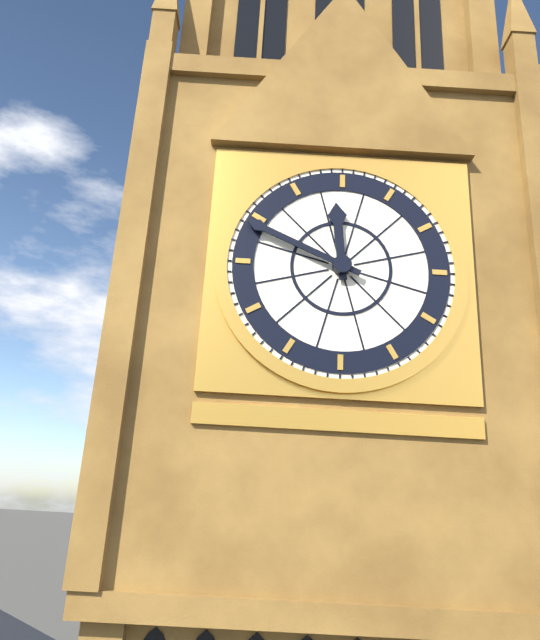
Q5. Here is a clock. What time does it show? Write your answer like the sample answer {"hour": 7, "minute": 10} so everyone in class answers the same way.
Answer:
{"hour": 11, "minute": 49}
